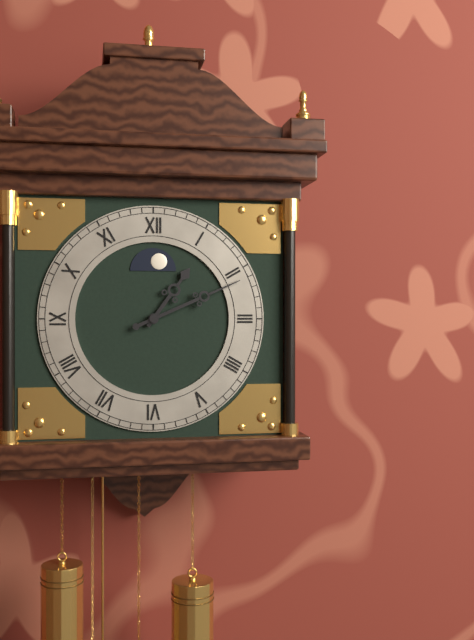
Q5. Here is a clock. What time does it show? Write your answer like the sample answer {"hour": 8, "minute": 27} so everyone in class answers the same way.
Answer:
{"hour": 1, "minute": 11}
